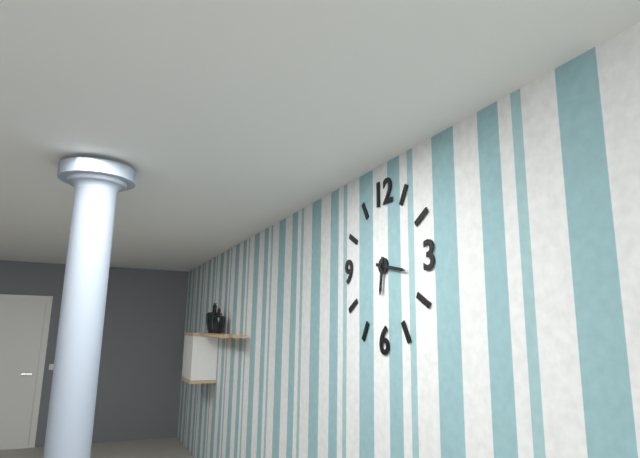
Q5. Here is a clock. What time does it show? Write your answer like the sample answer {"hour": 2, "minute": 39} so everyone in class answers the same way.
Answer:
{"hour": 6, "minute": 17}
